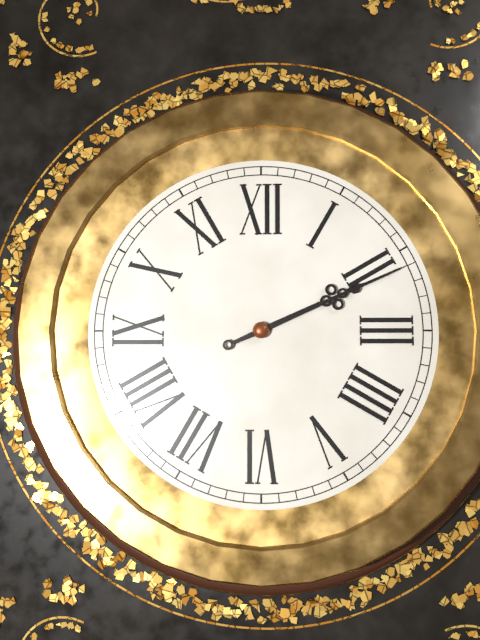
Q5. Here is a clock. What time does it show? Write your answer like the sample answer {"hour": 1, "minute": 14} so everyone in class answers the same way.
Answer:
{"hour": 2, "minute": 11}
